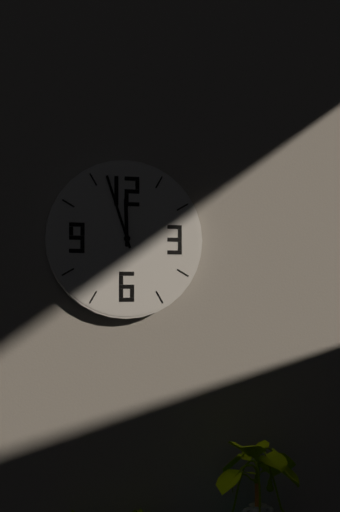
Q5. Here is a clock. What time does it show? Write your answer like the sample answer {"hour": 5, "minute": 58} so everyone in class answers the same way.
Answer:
{"hour": 11, "minute": 57}
